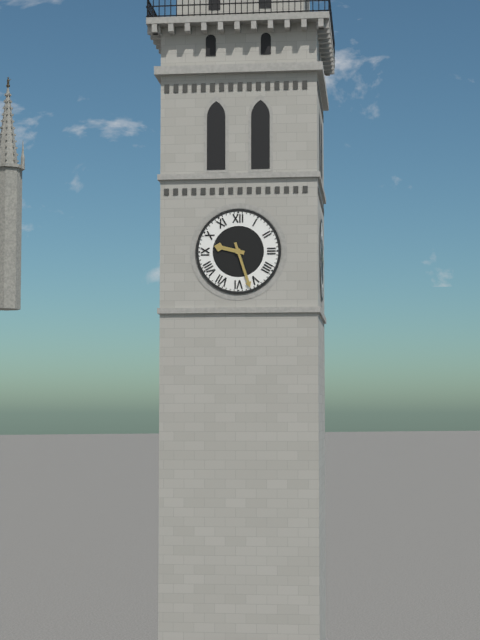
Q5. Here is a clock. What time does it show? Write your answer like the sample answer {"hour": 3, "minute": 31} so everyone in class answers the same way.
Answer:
{"hour": 9, "minute": 27}
